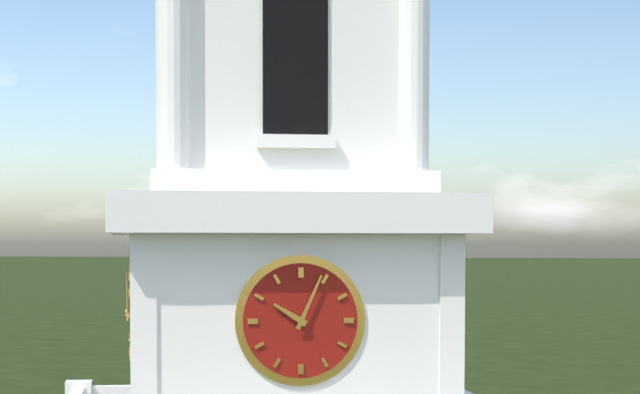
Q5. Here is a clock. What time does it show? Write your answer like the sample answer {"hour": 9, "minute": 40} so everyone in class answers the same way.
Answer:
{"hour": 10, "minute": 4}
